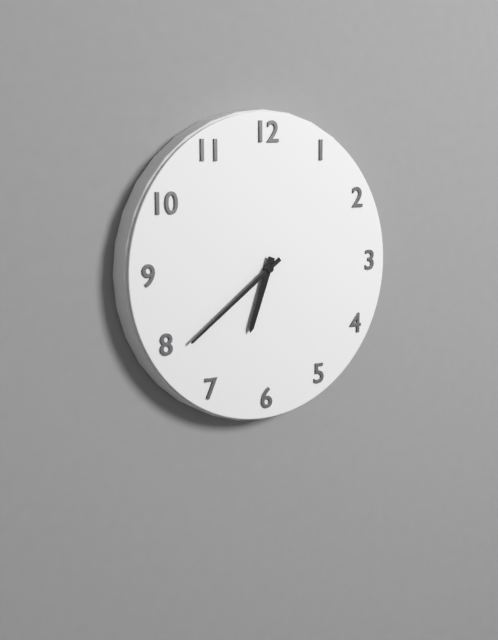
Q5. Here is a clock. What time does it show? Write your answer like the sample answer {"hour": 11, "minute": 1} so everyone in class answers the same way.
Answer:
{"hour": 6, "minute": 39}
